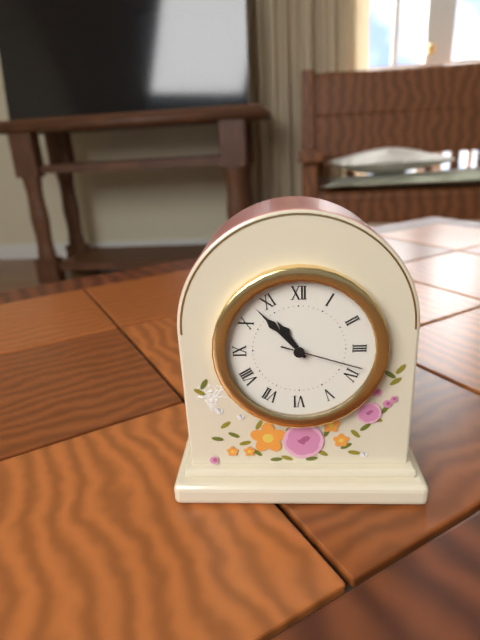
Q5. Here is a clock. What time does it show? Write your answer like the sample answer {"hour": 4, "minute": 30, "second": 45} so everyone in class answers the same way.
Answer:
{"hour": 10, "minute": 53, "second": 18}
